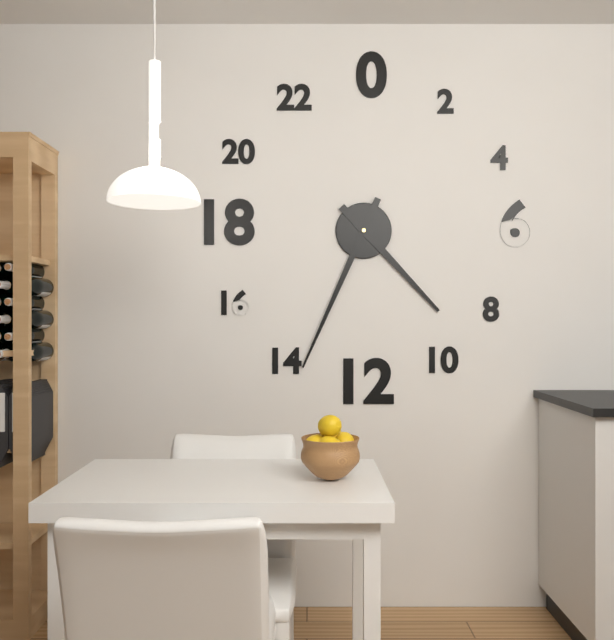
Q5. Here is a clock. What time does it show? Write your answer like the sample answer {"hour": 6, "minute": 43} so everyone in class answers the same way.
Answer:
{"hour": 4, "minute": 34}
